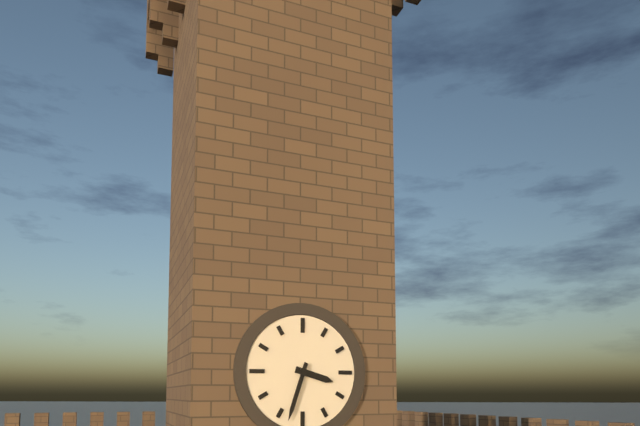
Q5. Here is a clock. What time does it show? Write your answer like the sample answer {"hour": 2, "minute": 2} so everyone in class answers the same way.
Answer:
{"hour": 3, "minute": 33}
